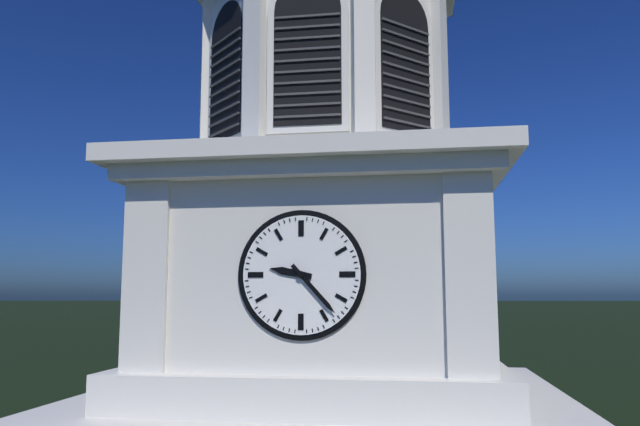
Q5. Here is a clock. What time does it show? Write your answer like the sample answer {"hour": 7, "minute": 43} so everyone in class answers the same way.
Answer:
{"hour": 9, "minute": 23}
